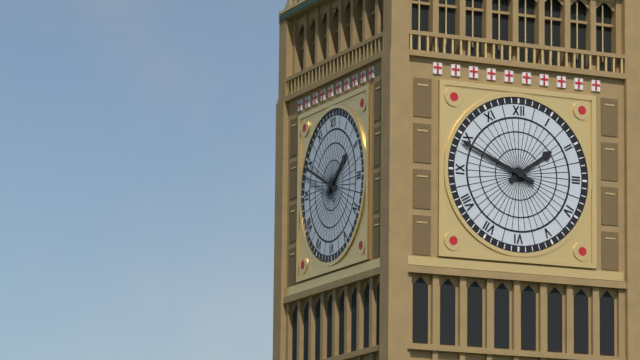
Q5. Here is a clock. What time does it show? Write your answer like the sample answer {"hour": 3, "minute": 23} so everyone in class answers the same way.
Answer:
{"hour": 1, "minute": 49}
